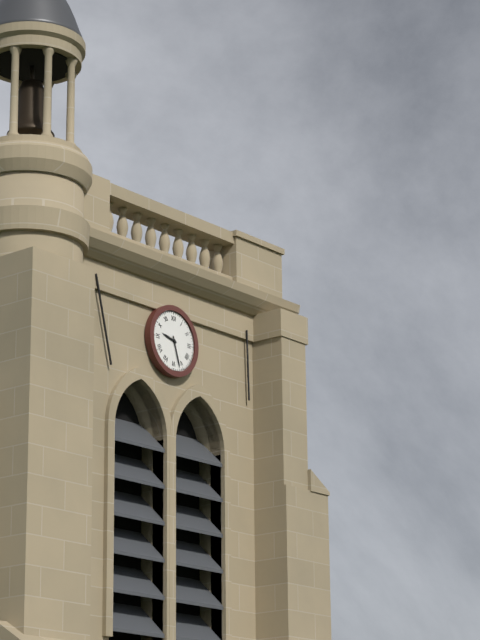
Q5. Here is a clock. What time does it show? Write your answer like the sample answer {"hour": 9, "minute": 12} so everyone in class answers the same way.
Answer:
{"hour": 9, "minute": 27}
